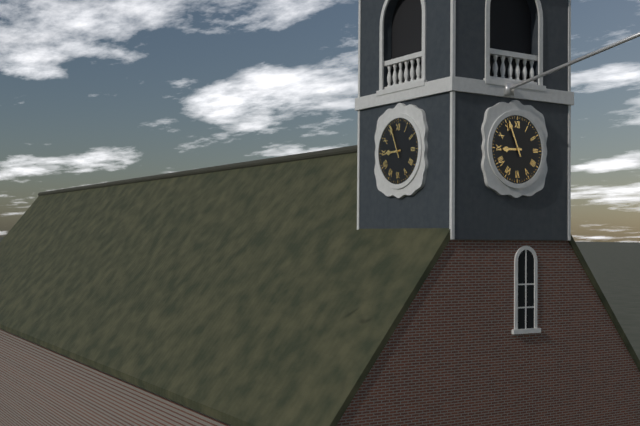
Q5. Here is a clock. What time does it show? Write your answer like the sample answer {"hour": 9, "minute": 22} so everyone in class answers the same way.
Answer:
{"hour": 8, "minute": 56}
